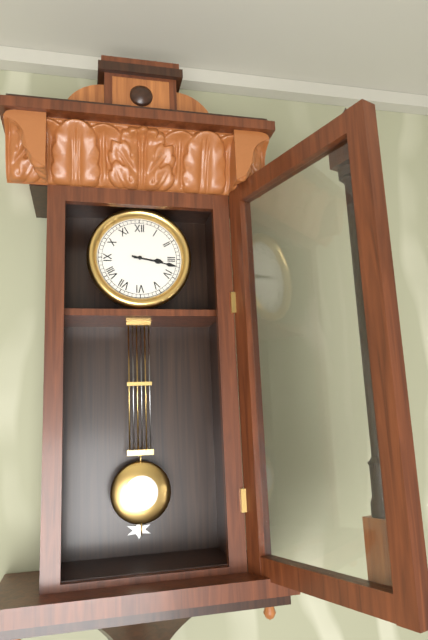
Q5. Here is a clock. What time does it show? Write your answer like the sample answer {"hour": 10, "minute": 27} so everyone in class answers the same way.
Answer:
{"hour": 3, "minute": 17}
